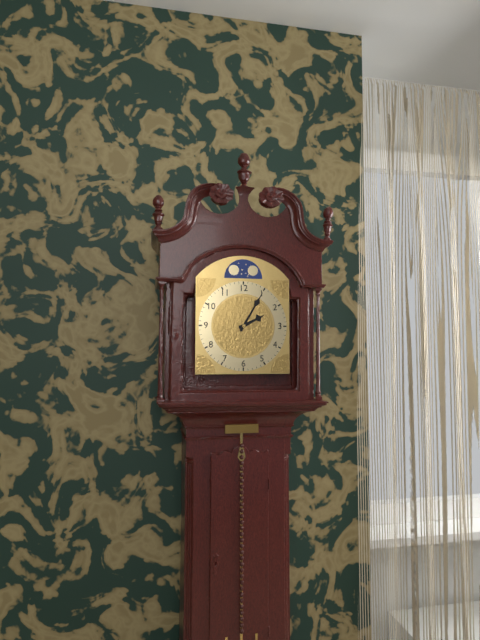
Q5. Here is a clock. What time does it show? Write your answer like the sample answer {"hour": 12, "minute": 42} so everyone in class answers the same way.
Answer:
{"hour": 2, "minute": 5}
